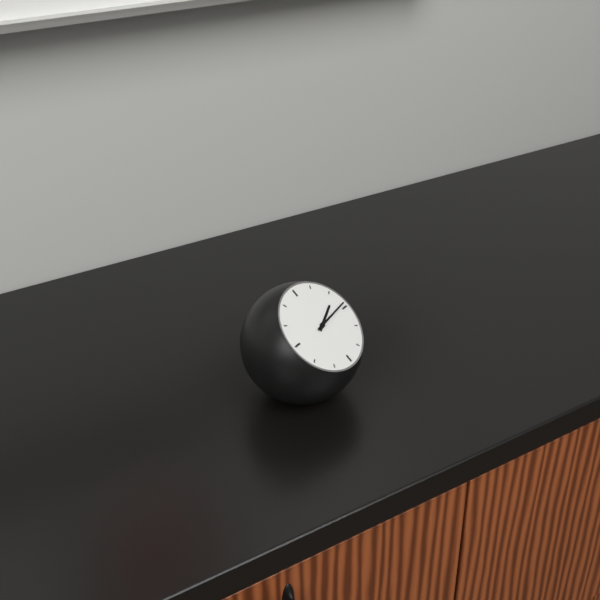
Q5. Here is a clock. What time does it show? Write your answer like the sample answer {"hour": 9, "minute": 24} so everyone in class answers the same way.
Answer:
{"hour": 2, "minute": 14}
